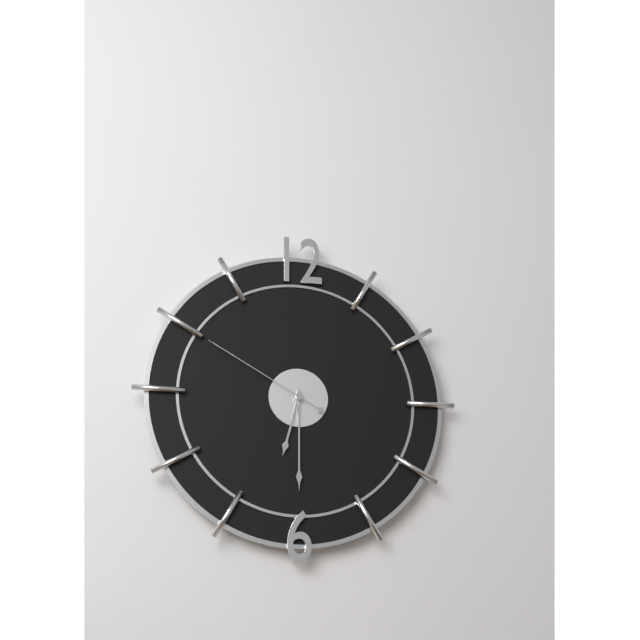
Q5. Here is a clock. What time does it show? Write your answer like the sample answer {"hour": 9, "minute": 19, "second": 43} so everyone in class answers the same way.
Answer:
{"hour": 6, "minute": 30, "second": 50}
